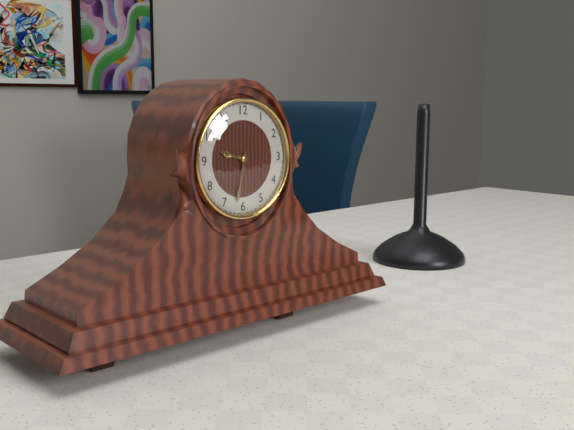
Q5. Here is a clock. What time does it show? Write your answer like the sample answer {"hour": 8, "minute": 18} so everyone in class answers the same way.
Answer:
{"hour": 9, "minute": 32}
